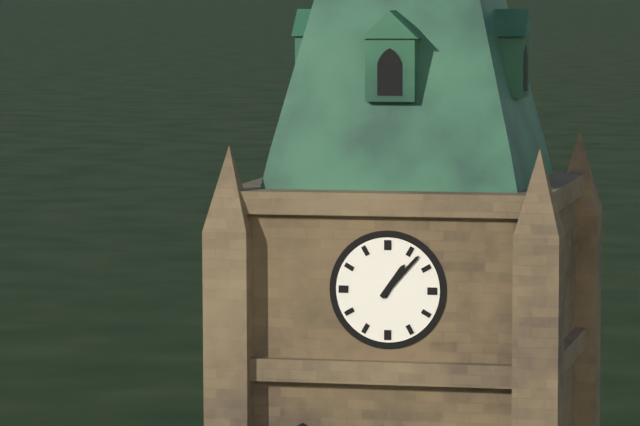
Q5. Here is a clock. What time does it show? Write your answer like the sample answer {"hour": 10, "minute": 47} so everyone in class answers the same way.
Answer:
{"hour": 1, "minute": 7}
